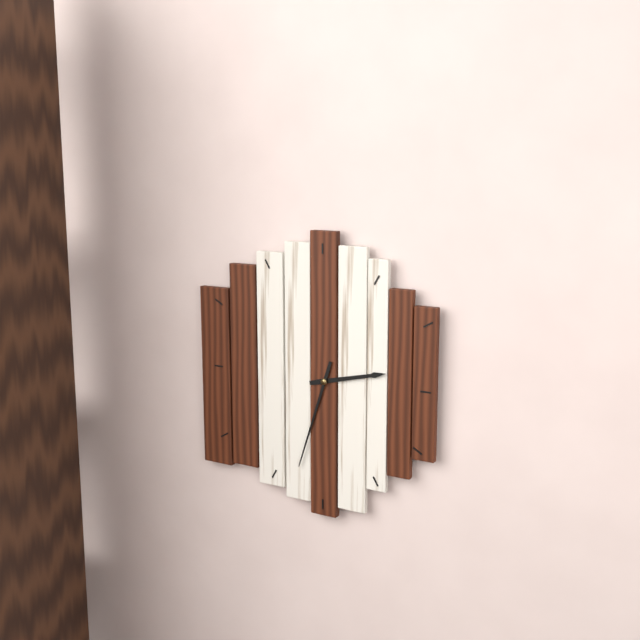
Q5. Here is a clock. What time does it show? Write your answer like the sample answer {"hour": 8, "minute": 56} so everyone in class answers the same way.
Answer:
{"hour": 2, "minute": 33}
